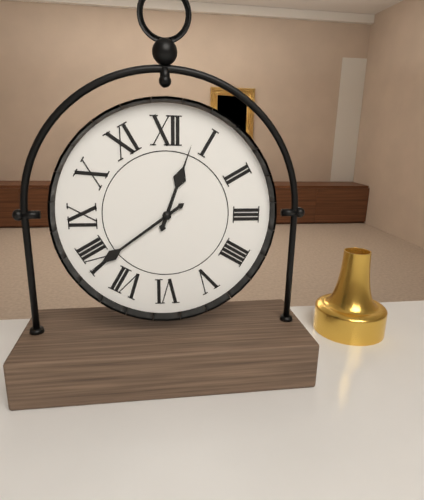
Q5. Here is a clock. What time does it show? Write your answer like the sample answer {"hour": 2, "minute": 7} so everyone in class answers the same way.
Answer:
{"hour": 12, "minute": 39}
